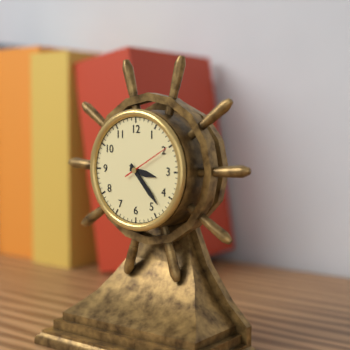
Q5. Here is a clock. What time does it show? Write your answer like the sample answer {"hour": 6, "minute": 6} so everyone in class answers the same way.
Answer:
{"hour": 3, "minute": 23}
